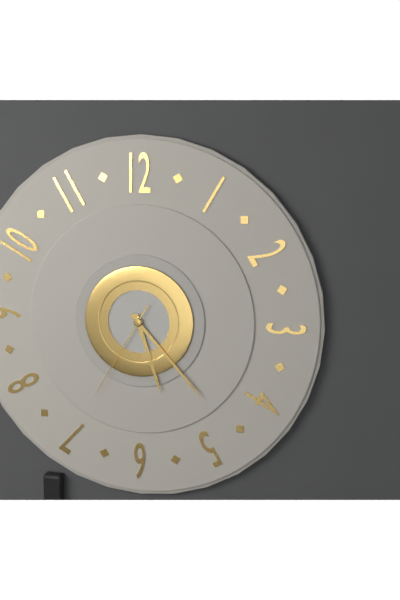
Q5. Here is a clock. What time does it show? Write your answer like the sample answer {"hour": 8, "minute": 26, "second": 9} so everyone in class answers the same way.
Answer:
{"hour": 5, "minute": 23, "second": 35}
